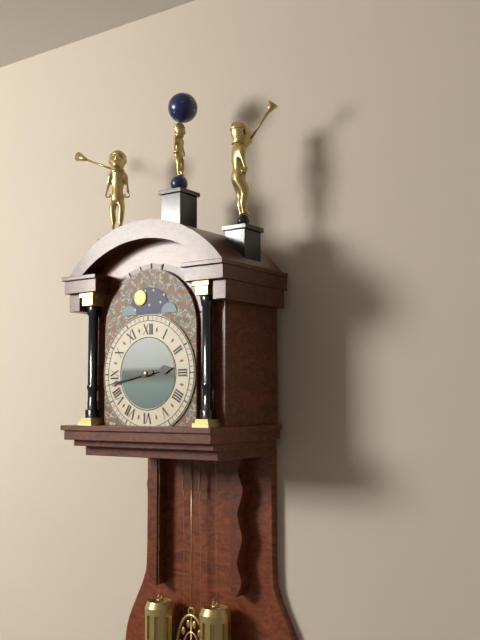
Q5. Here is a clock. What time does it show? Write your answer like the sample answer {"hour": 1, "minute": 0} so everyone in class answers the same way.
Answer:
{"hour": 2, "minute": 43}
